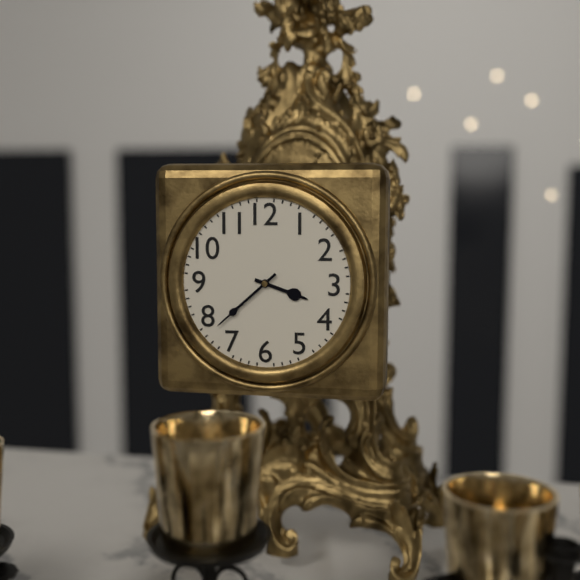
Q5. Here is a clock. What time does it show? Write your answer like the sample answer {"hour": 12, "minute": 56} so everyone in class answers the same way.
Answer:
{"hour": 3, "minute": 38}
